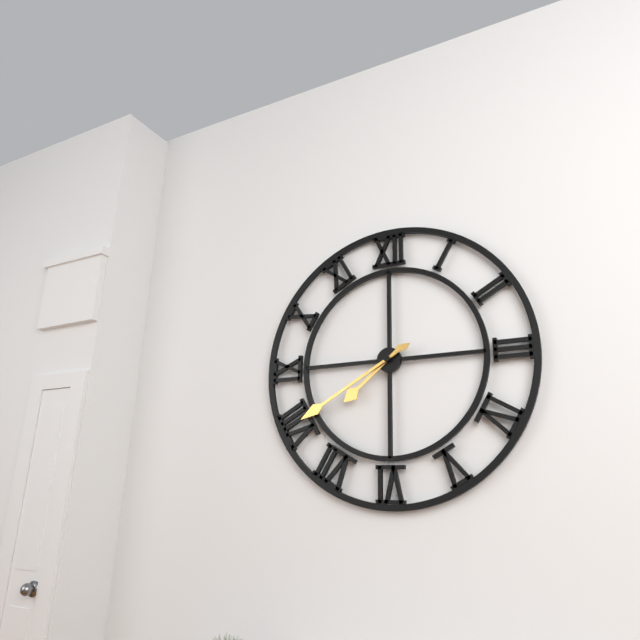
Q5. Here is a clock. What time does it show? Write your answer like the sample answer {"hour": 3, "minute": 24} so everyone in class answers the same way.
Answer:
{"hour": 7, "minute": 40}
